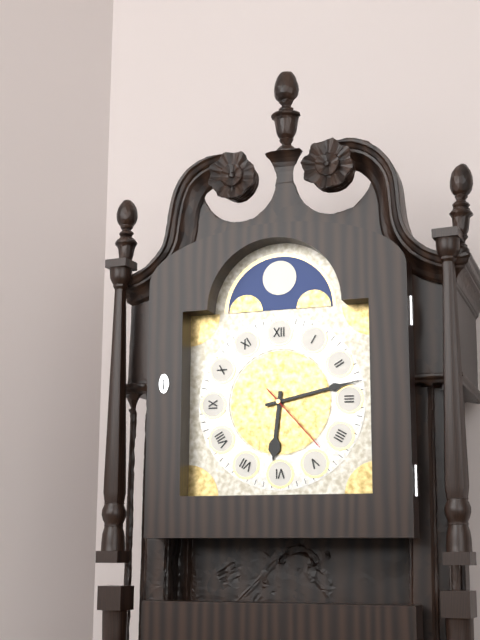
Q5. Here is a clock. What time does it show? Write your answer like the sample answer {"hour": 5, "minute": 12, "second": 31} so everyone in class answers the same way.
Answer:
{"hour": 6, "minute": 13, "second": 23}
